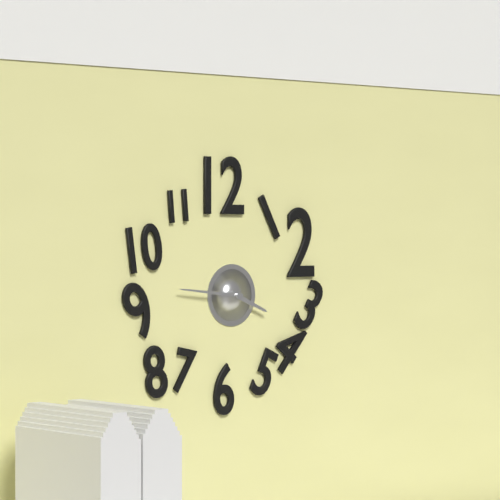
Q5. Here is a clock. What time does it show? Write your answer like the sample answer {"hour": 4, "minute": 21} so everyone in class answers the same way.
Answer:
{"hour": 3, "minute": 46}
